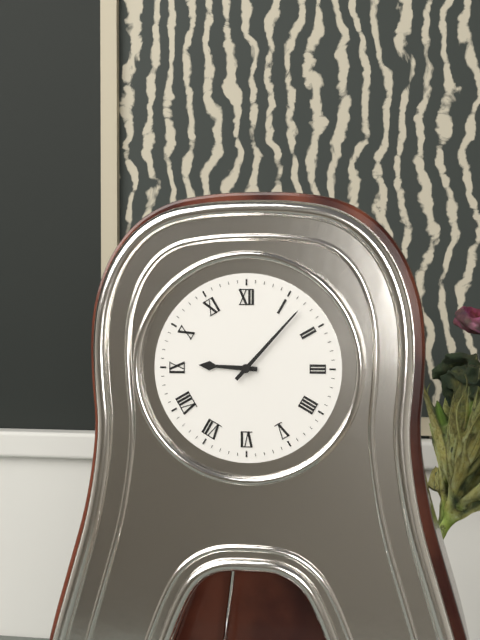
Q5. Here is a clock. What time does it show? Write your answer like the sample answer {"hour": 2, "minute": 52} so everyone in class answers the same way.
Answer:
{"hour": 9, "minute": 7}
